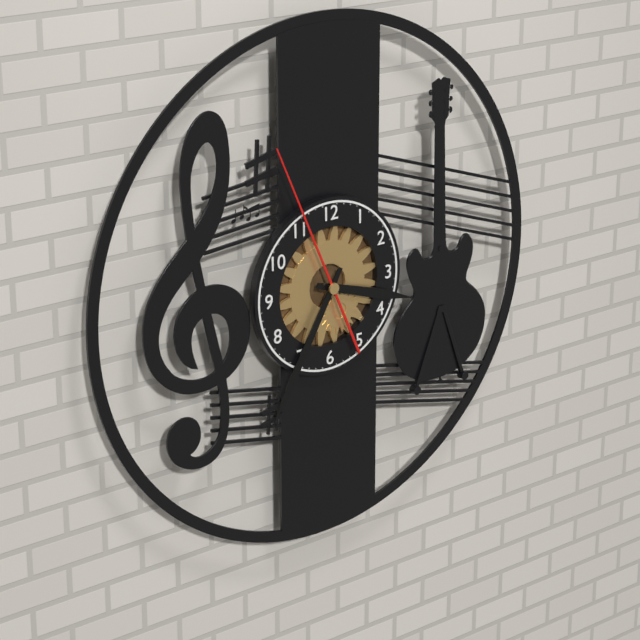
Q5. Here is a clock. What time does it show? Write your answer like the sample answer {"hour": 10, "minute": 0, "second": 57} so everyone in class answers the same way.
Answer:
{"hour": 3, "minute": 35, "second": 56}
